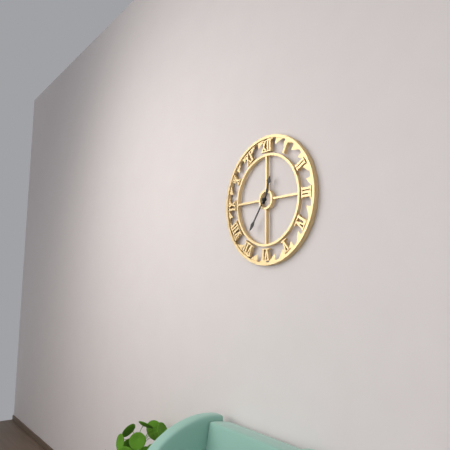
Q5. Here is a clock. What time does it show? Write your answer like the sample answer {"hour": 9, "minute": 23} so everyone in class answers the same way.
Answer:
{"hour": 12, "minute": 36}
